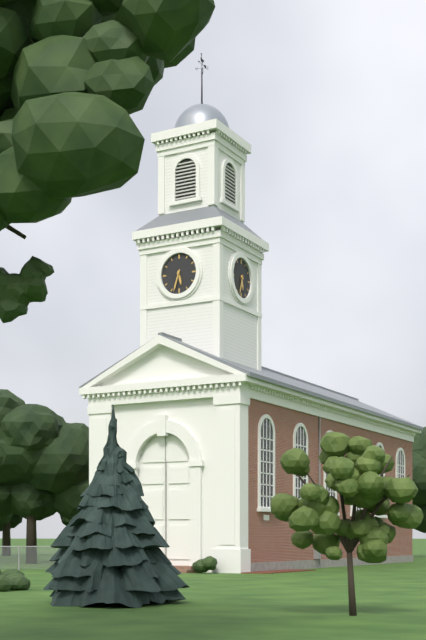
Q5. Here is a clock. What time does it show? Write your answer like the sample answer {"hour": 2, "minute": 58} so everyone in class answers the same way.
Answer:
{"hour": 5, "minute": 33}
